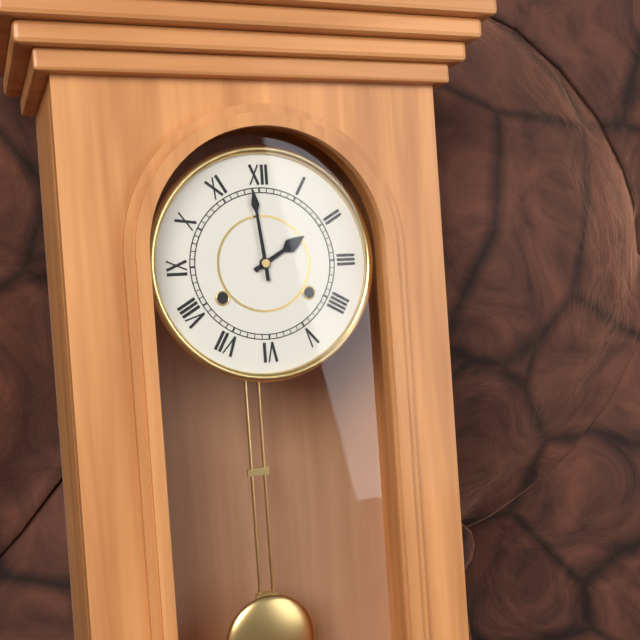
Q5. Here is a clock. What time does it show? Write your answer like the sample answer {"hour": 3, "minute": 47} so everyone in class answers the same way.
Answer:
{"hour": 1, "minute": 59}
